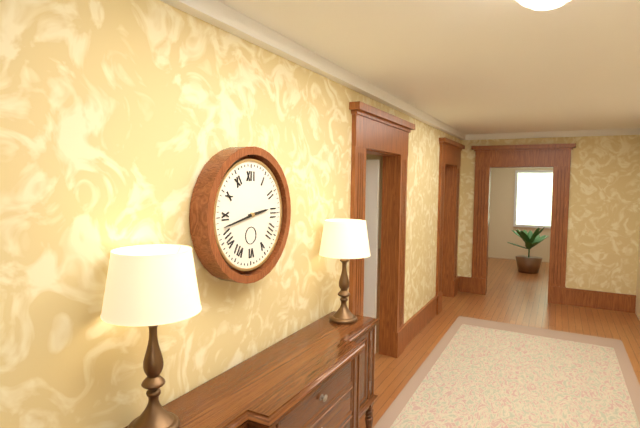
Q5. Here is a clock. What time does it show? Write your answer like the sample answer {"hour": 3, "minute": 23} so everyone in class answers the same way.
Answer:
{"hour": 2, "minute": 43}
